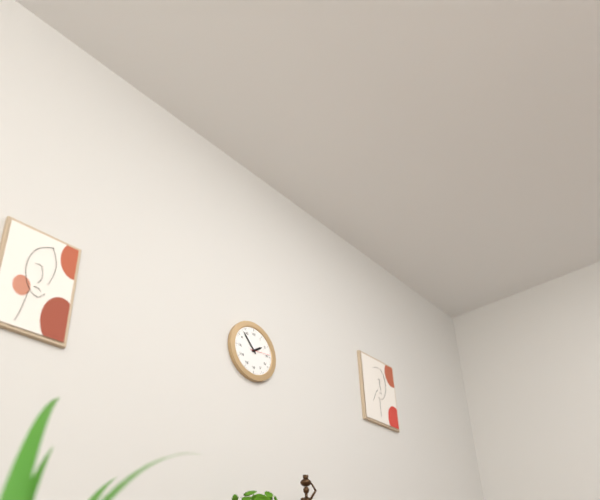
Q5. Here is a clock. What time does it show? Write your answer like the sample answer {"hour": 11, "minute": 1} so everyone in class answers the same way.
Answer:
{"hour": 1, "minute": 53}
